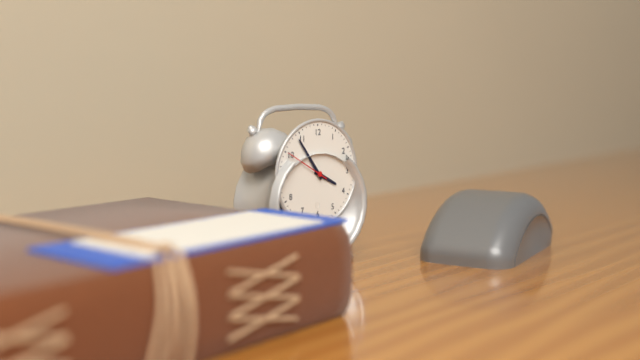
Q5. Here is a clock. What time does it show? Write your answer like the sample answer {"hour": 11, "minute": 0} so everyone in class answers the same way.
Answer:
{"hour": 3, "minute": 54}
